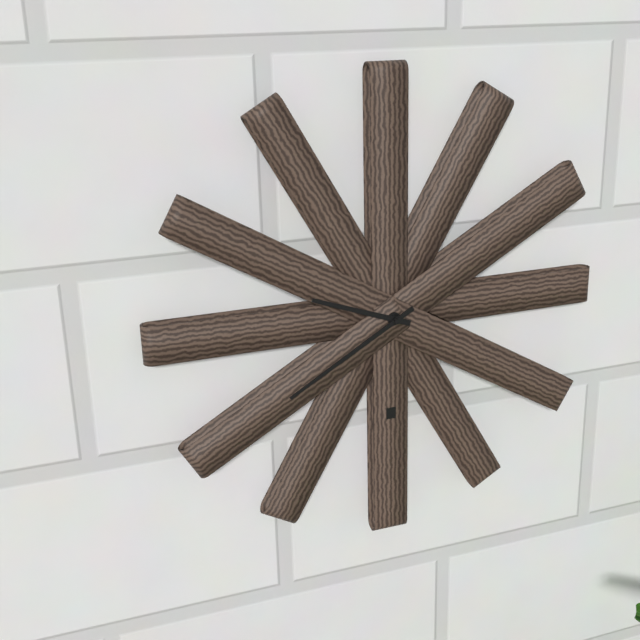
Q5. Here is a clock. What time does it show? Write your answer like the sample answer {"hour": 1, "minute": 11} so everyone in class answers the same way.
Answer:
{"hour": 9, "minute": 40}
